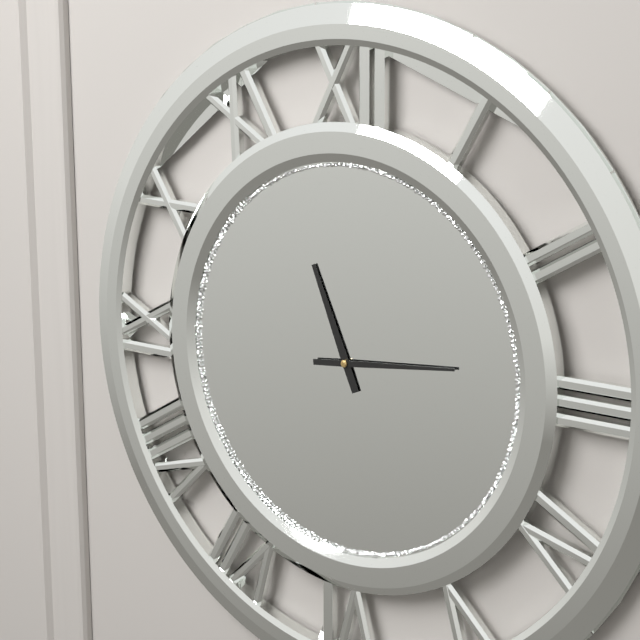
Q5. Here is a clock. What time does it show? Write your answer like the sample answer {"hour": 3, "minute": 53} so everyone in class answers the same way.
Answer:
{"hour": 11, "minute": 14}
